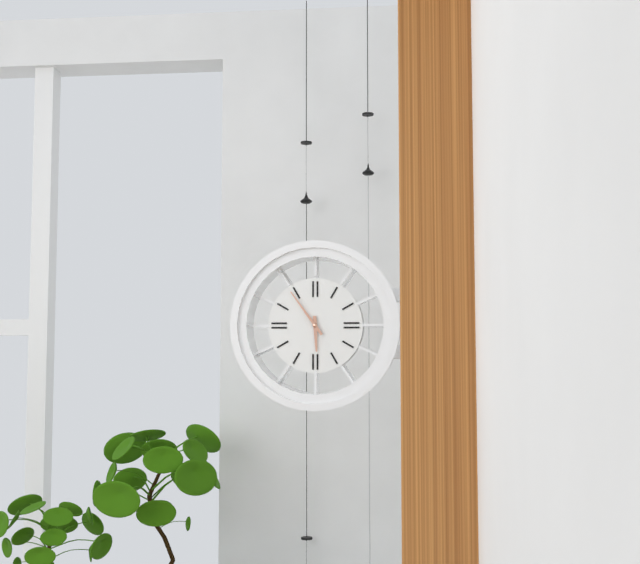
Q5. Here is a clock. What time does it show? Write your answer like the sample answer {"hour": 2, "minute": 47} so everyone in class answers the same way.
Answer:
{"hour": 5, "minute": 54}
